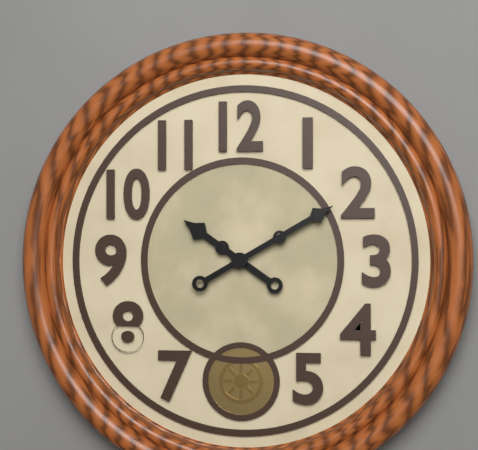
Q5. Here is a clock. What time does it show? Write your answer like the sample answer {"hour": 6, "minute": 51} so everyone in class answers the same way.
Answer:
{"hour": 10, "minute": 10}
